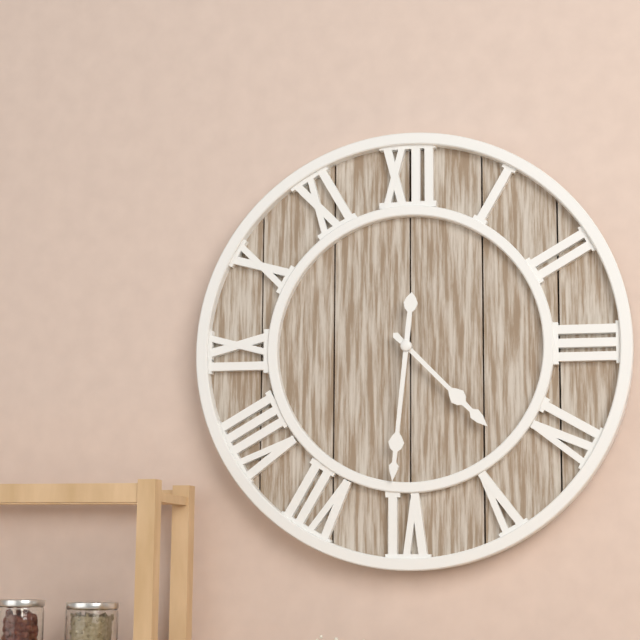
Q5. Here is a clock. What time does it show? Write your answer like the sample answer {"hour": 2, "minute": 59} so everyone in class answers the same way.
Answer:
{"hour": 4, "minute": 31}
